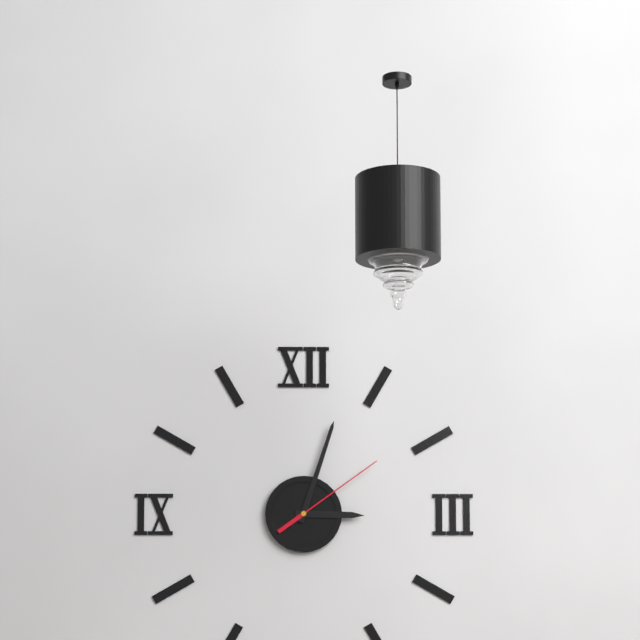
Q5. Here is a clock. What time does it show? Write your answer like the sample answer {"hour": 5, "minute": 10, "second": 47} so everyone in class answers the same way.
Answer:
{"hour": 3, "minute": 3, "second": 9}
